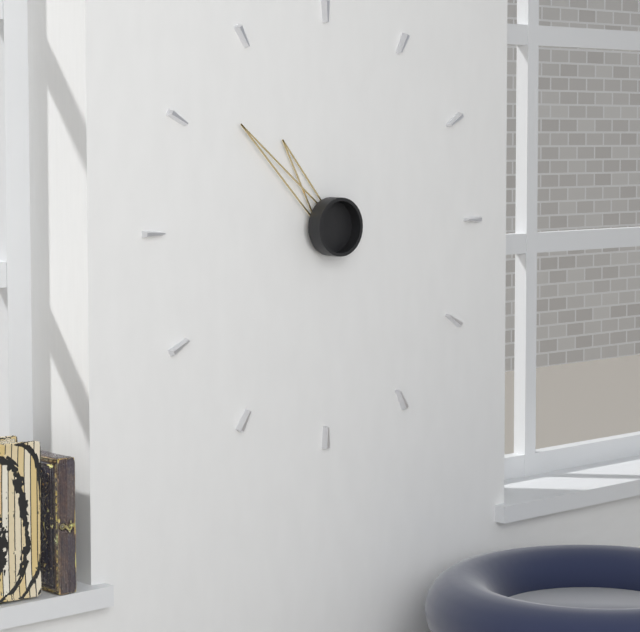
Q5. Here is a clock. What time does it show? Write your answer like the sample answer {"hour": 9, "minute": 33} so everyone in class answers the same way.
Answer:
{"hour": 10, "minute": 52}
